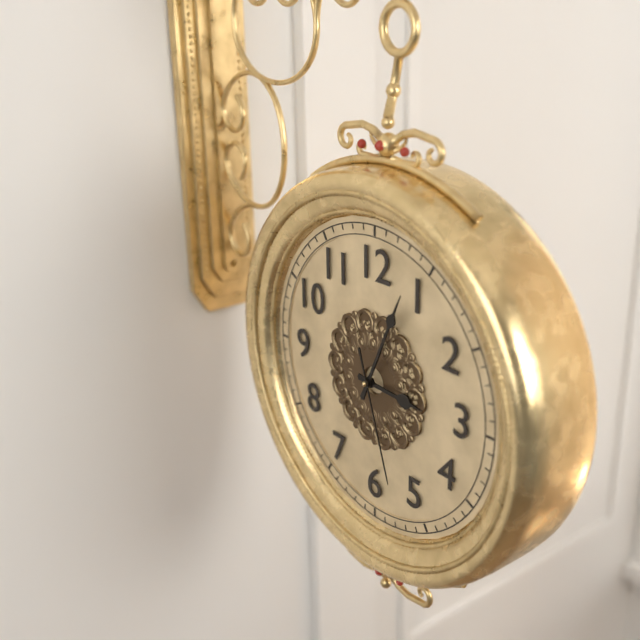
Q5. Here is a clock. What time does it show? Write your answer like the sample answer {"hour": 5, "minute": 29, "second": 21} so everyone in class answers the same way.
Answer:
{"hour": 3, "minute": 4, "second": 27}
